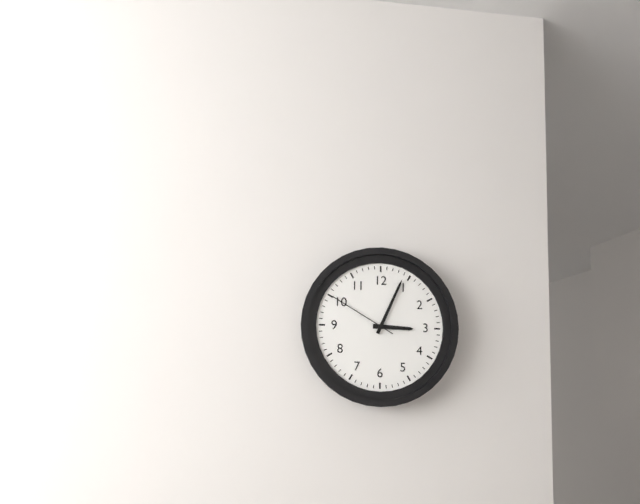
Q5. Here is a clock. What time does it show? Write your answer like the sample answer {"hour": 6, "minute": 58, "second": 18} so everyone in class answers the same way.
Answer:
{"hour": 3, "minute": 4, "second": 50}
